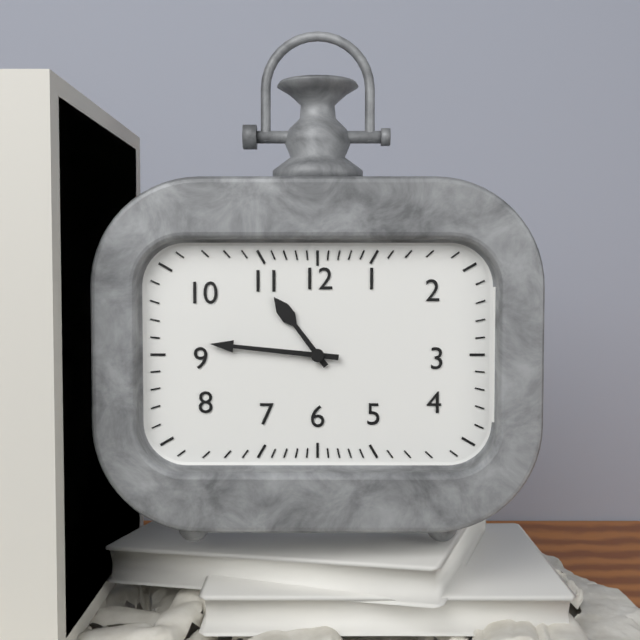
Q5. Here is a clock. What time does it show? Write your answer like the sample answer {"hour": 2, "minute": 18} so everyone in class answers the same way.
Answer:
{"hour": 10, "minute": 46}
